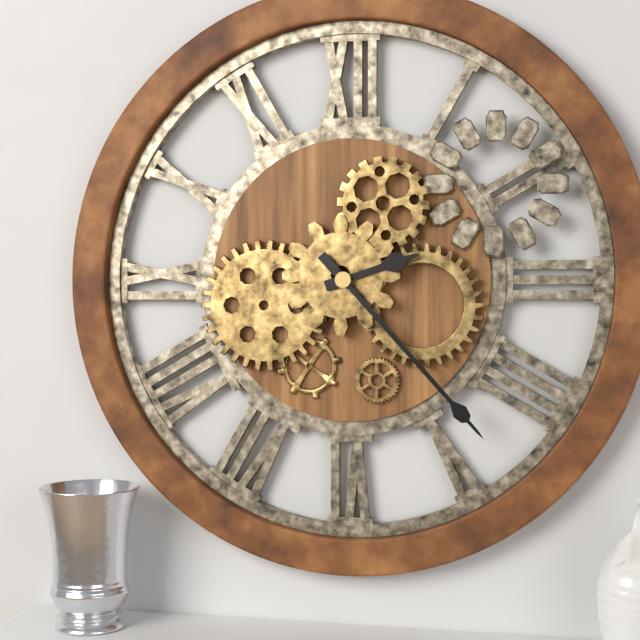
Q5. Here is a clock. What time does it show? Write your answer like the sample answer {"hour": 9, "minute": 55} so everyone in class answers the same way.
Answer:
{"hour": 2, "minute": 23}
